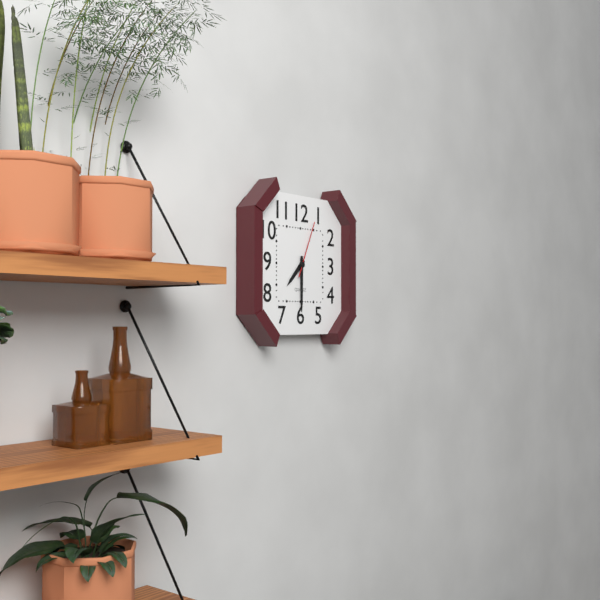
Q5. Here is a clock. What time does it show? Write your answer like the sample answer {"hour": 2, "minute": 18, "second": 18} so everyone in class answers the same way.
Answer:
{"hour": 7, "minute": 30, "second": 4}
